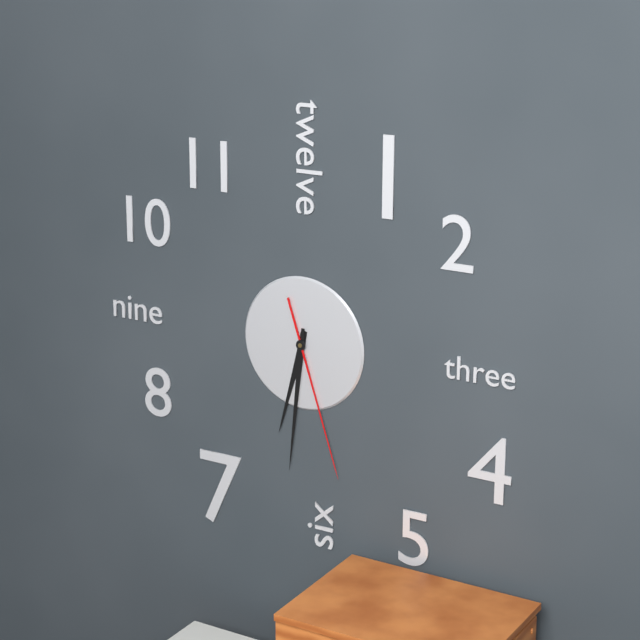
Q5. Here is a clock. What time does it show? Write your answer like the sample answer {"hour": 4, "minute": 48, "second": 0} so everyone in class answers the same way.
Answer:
{"hour": 6, "minute": 31, "second": 27}
